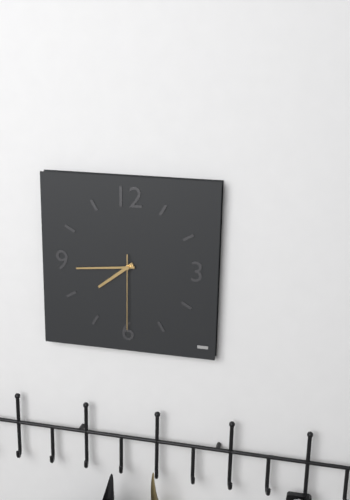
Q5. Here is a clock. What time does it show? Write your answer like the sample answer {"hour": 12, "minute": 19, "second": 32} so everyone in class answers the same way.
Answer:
{"hour": 7, "minute": 44, "second": 30}
